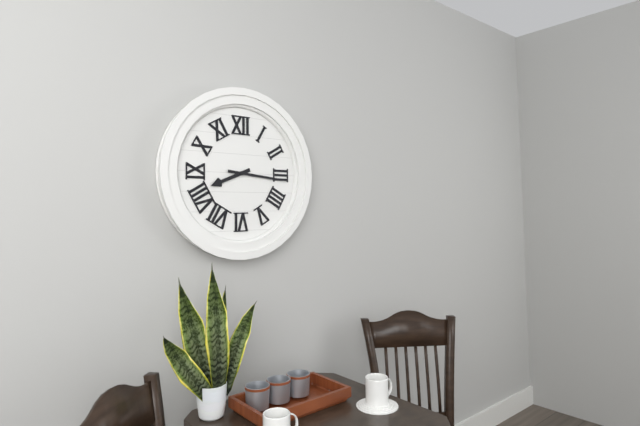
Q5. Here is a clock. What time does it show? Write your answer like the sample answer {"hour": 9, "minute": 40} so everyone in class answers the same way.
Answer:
{"hour": 8, "minute": 16}
